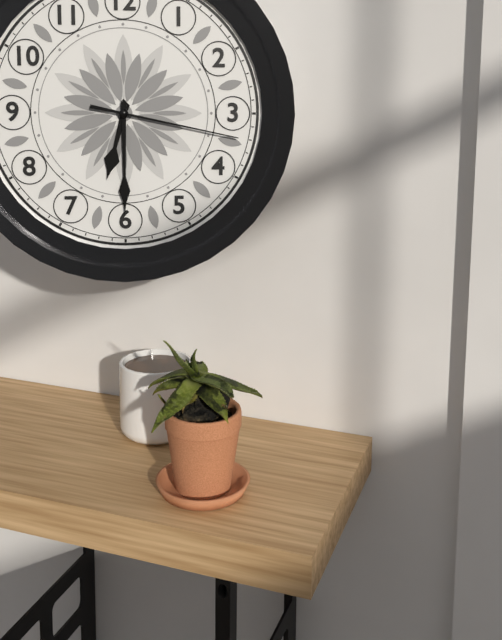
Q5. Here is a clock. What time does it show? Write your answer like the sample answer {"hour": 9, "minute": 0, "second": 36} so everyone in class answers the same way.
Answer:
{"hour": 6, "minute": 30, "second": 17}
